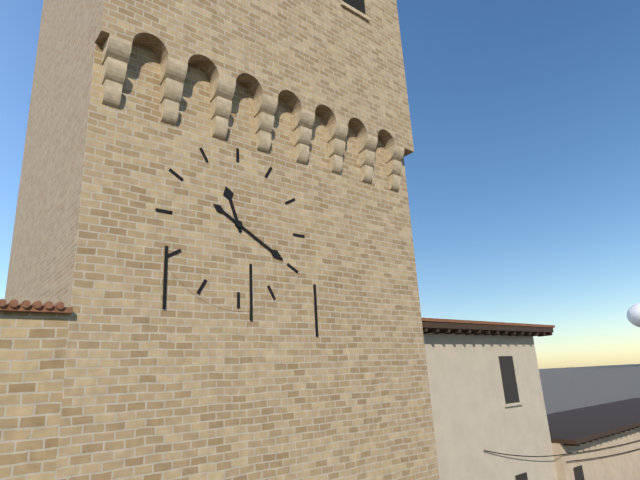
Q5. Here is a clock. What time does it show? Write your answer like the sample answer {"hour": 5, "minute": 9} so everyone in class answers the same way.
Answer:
{"hour": 11, "minute": 20}
